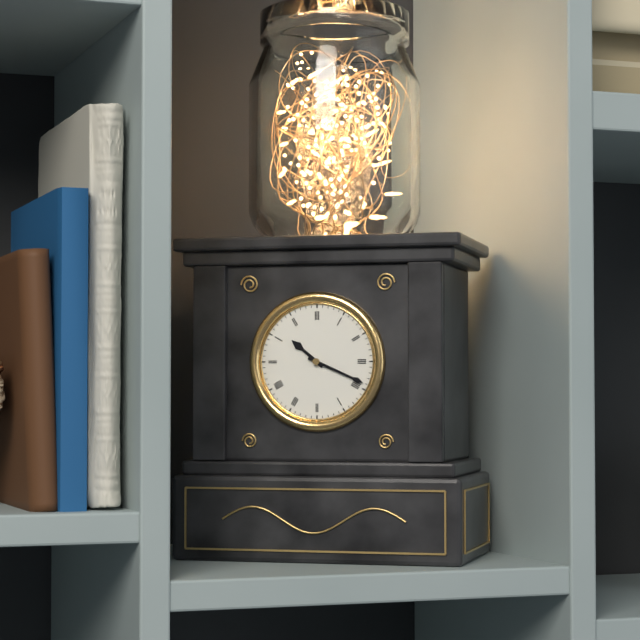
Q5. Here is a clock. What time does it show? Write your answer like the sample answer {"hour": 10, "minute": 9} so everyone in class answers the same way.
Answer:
{"hour": 10, "minute": 19}
